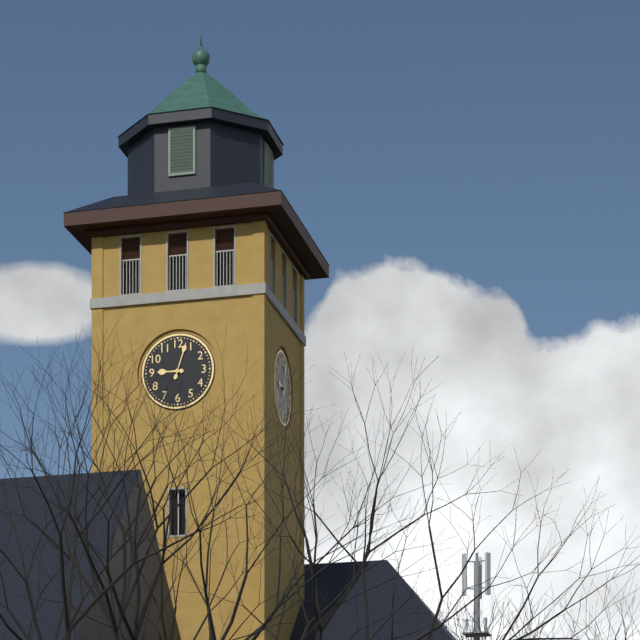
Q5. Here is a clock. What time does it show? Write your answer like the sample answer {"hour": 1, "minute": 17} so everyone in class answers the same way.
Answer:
{"hour": 9, "minute": 3}
